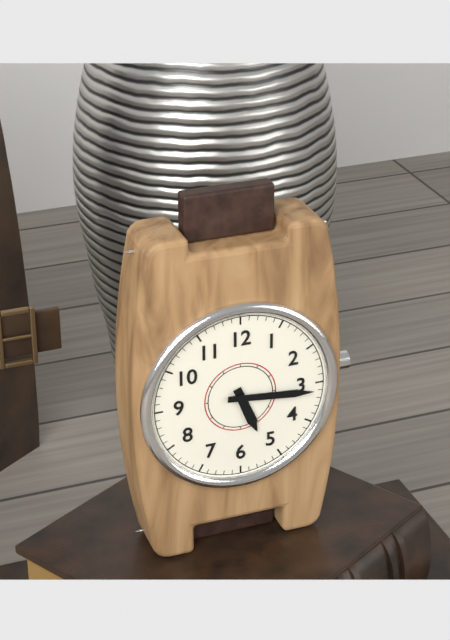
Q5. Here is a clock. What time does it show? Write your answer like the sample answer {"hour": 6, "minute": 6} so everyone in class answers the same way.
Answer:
{"hour": 5, "minute": 16}
